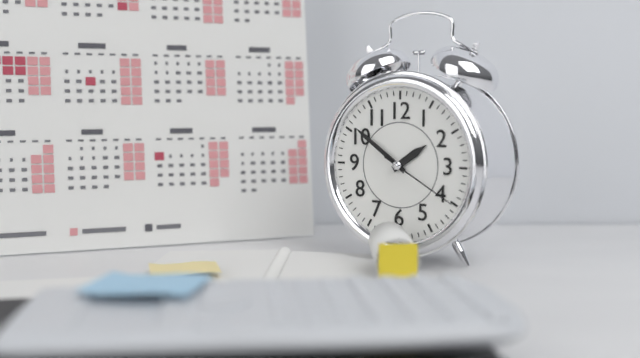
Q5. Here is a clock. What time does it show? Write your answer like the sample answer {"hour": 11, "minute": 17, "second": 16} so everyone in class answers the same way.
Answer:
{"hour": 1, "minute": 51, "second": 20}
